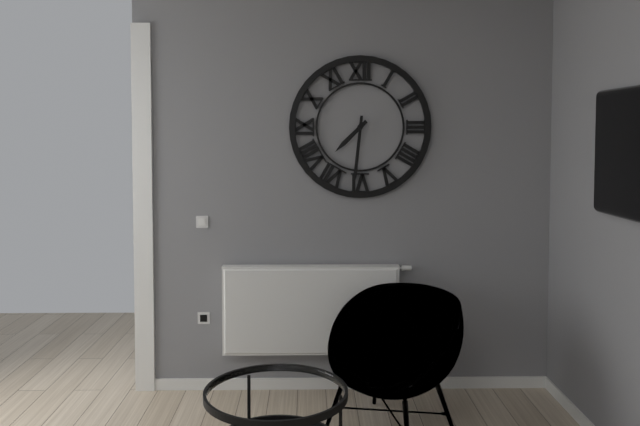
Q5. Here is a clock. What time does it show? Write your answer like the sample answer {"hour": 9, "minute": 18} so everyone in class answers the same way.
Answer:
{"hour": 7, "minute": 31}
